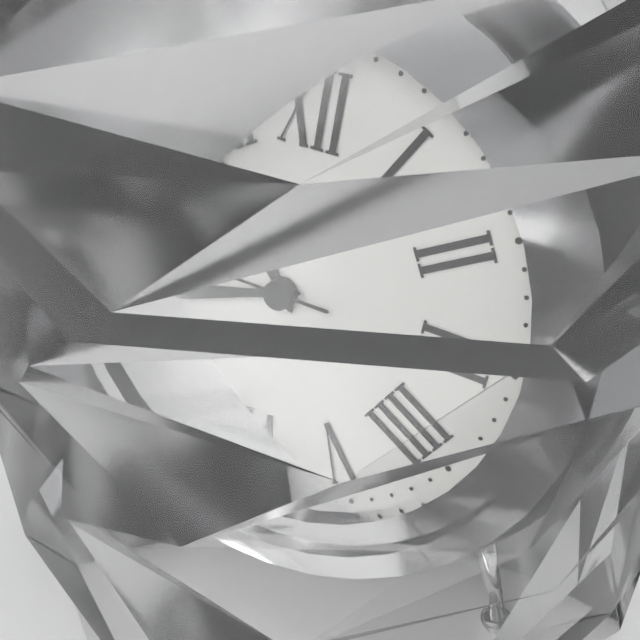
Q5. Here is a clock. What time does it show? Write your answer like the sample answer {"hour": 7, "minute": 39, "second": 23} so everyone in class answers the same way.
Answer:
{"hour": 10, "minute": 42, "second": 45}
